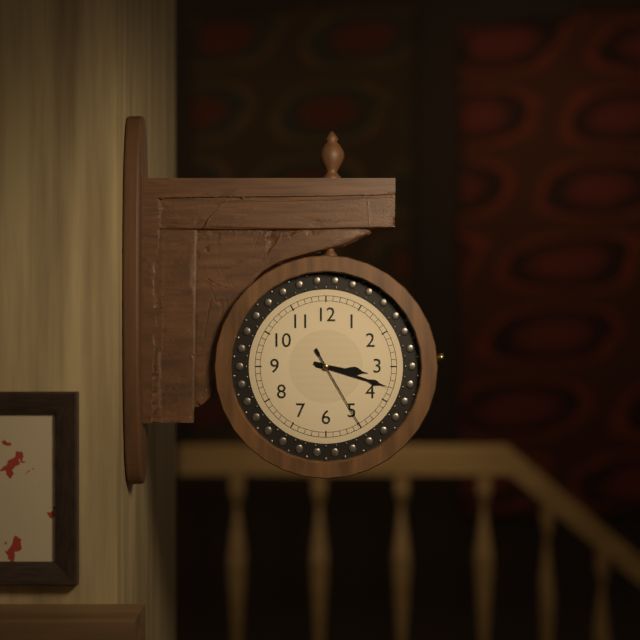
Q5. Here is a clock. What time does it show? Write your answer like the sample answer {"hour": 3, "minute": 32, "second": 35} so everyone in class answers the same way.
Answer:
{"hour": 3, "minute": 18, "second": 25}
